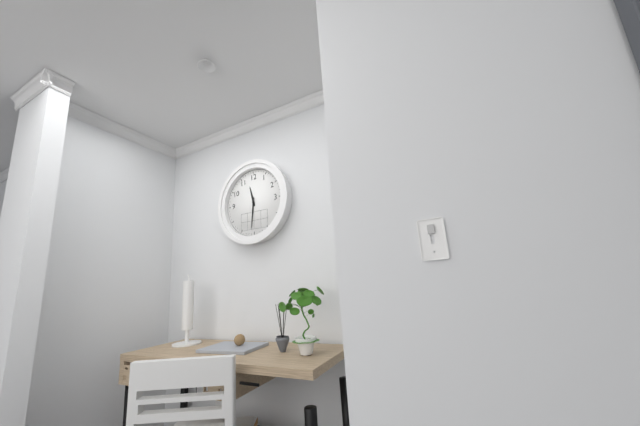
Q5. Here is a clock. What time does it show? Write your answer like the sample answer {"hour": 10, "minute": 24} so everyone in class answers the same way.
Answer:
{"hour": 11, "minute": 31}
